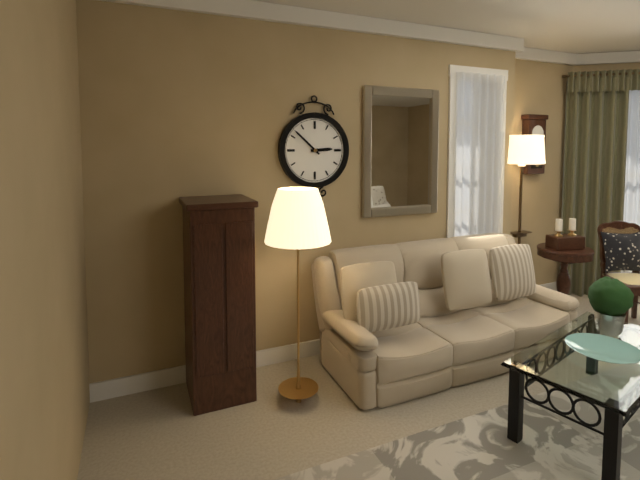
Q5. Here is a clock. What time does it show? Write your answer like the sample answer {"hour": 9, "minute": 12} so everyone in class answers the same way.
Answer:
{"hour": 2, "minute": 52}
